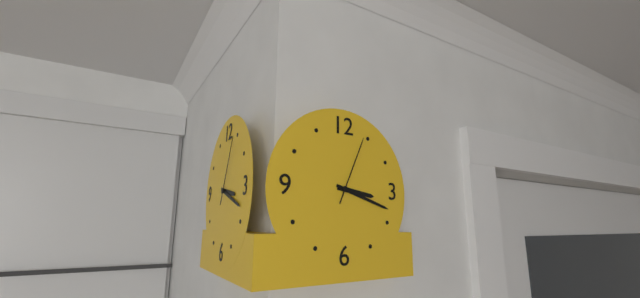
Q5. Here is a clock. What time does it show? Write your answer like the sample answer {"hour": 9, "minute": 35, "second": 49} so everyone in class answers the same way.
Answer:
{"hour": 3, "minute": 18, "second": 4}
